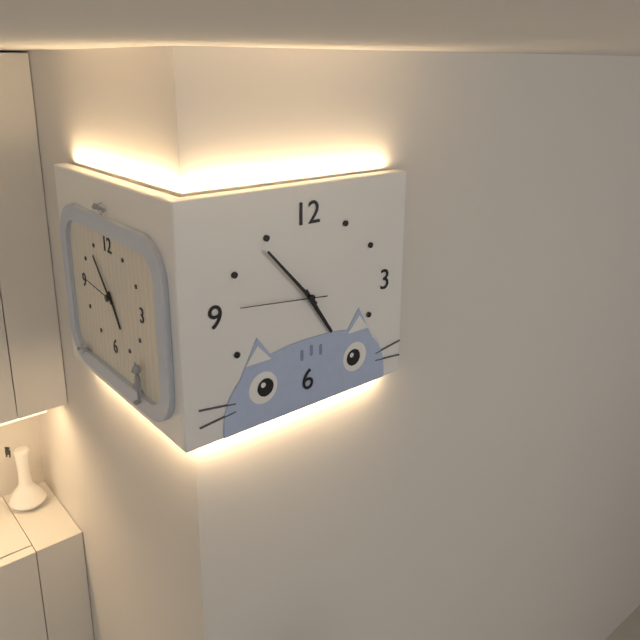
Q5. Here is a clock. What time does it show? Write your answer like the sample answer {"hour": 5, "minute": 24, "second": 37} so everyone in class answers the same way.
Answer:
{"hour": 4, "minute": 53, "second": 46}
